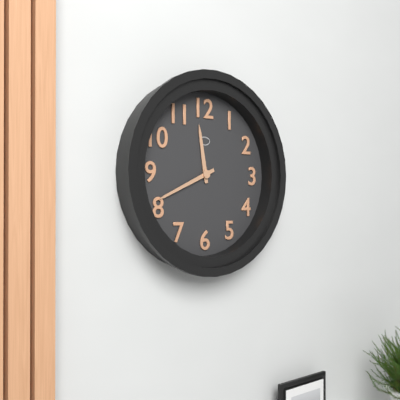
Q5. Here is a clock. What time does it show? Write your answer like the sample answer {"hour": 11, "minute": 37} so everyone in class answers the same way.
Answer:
{"hour": 11, "minute": 41}
